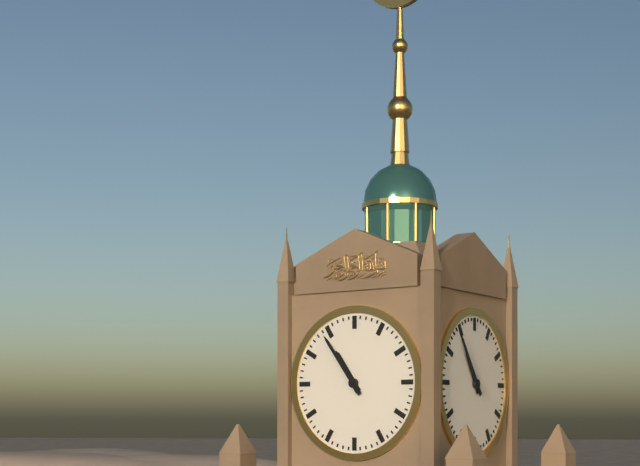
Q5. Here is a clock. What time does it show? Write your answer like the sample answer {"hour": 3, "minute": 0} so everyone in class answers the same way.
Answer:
{"hour": 10, "minute": 54}
